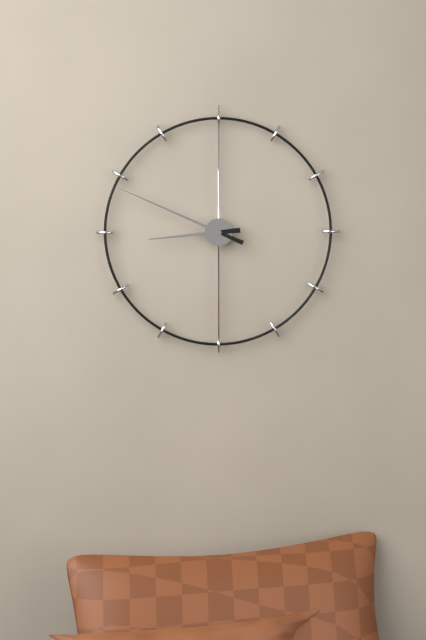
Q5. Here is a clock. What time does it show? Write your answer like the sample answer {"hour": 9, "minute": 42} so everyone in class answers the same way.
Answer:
{"hour": 8, "minute": 49}
